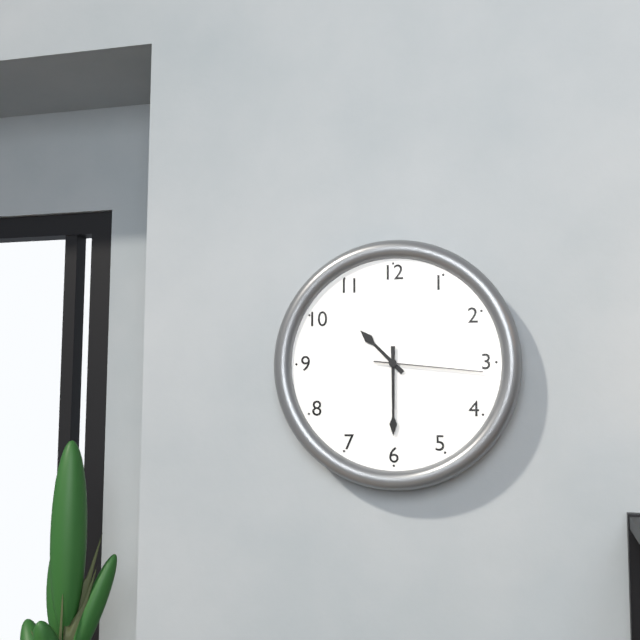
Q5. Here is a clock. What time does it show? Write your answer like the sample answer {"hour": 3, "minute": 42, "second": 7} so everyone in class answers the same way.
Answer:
{"hour": 10, "minute": 30, "second": 16}
